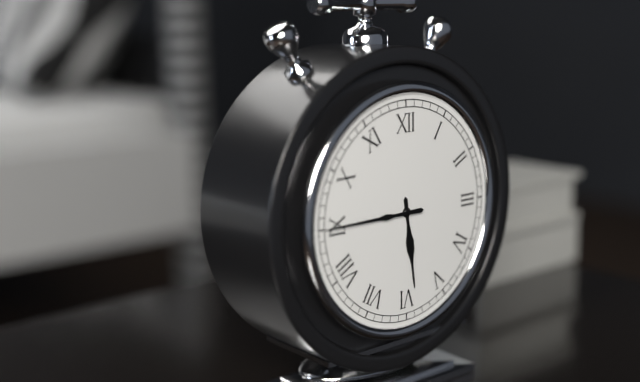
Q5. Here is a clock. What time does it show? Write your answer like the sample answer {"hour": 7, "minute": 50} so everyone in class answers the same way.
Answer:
{"hour": 5, "minute": 45}
